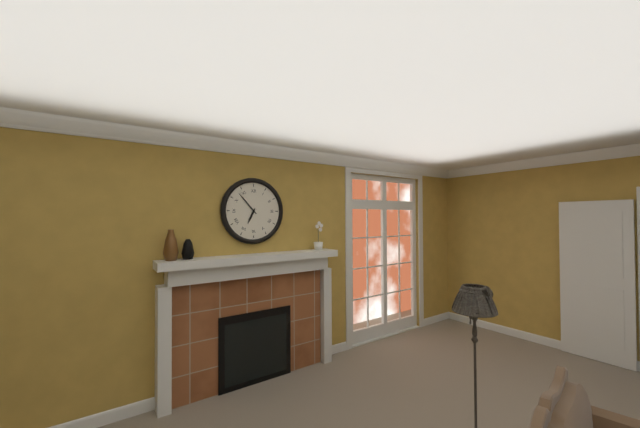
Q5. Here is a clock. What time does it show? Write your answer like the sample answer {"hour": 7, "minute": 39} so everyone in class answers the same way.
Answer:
{"hour": 6, "minute": 53}
